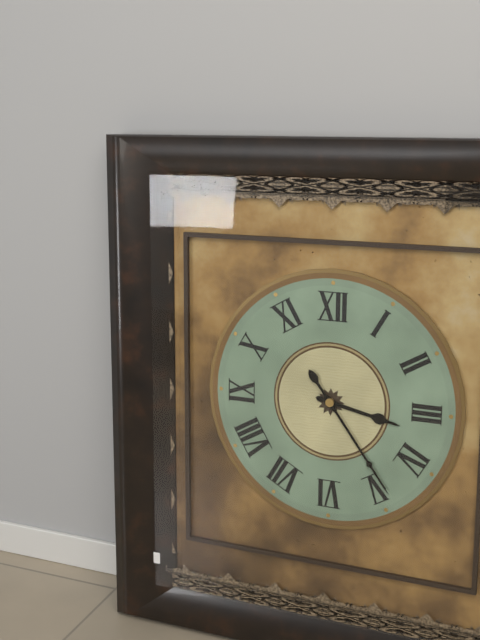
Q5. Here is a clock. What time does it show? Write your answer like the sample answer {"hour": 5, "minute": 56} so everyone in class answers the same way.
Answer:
{"hour": 3, "minute": 24}
